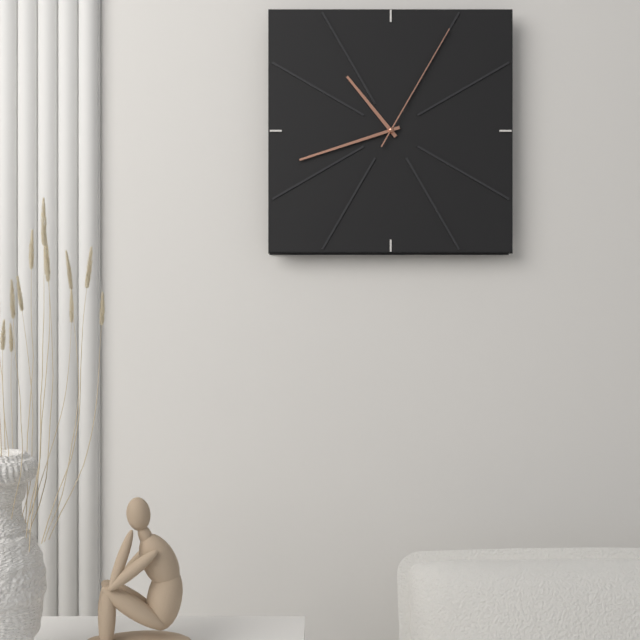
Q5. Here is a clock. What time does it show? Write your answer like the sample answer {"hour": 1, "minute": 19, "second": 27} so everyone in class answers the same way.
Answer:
{"hour": 10, "minute": 42, "second": 5}
